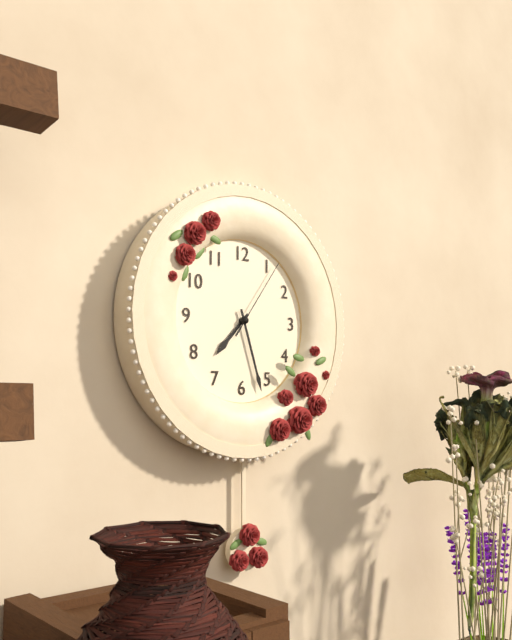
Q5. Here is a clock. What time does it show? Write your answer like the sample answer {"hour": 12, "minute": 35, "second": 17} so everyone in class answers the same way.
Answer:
{"hour": 7, "minute": 27, "second": 6}
